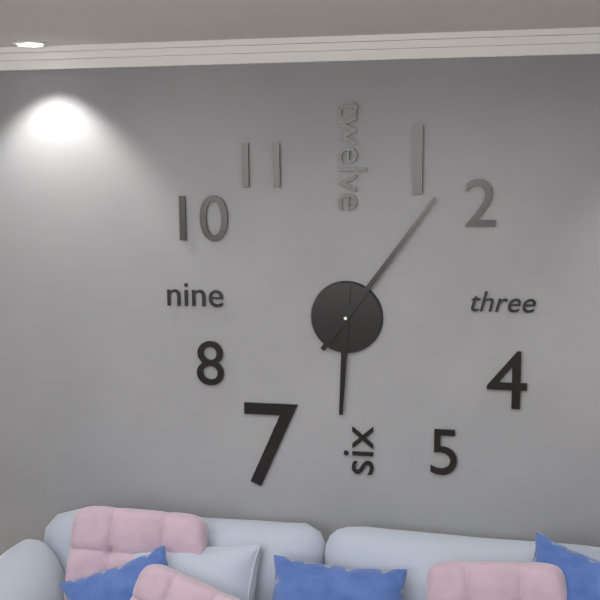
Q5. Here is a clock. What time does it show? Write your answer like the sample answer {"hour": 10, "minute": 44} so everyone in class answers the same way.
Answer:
{"hour": 6, "minute": 6}
